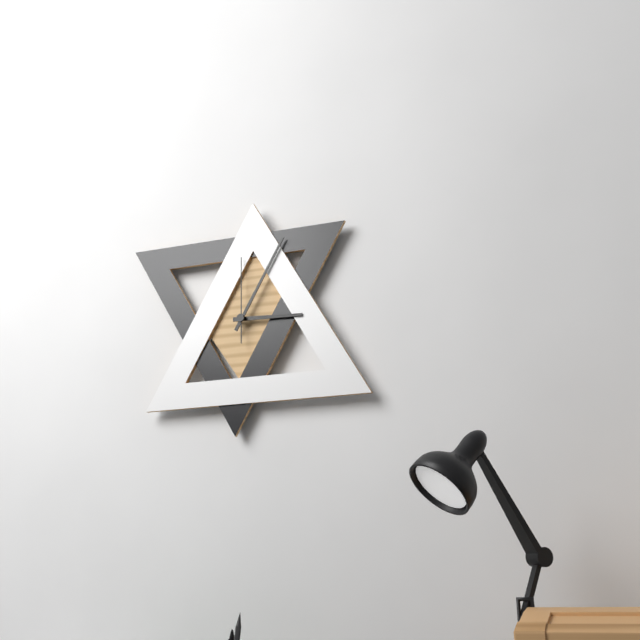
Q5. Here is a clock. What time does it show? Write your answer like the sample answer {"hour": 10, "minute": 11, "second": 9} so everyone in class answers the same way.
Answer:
{"hour": 3, "minute": 5, "second": 0}
